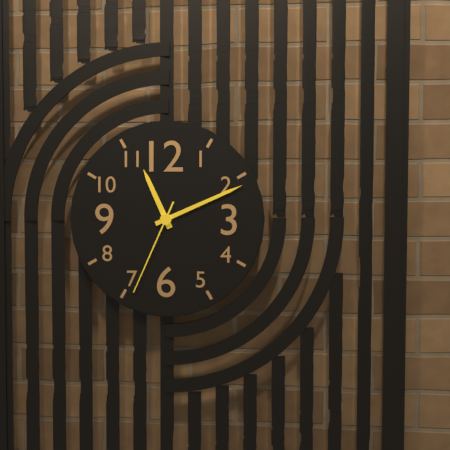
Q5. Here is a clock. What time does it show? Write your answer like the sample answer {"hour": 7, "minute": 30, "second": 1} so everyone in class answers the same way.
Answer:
{"hour": 11, "minute": 11, "second": 34}
